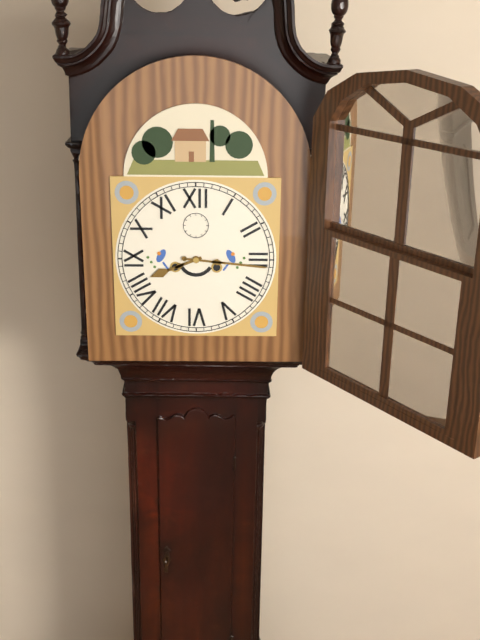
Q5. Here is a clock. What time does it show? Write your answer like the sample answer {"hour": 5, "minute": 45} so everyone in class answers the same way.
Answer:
{"hour": 8, "minute": 16}
